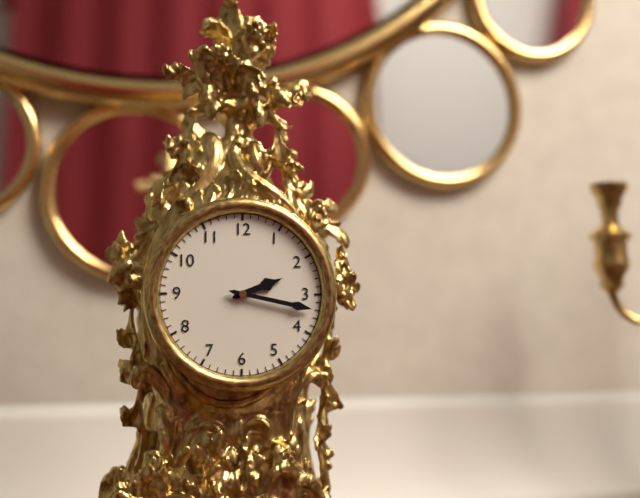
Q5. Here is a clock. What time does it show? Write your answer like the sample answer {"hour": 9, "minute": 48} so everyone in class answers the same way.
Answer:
{"hour": 2, "minute": 17}
